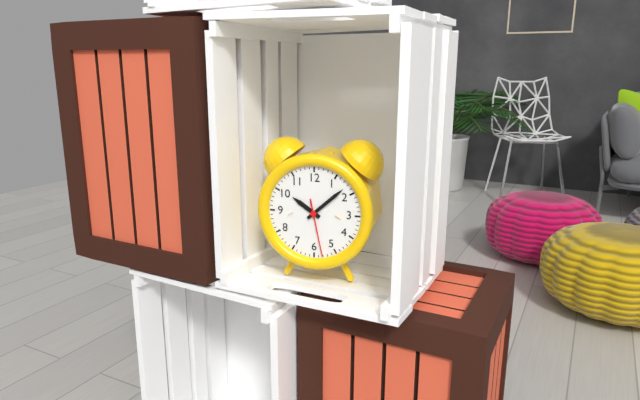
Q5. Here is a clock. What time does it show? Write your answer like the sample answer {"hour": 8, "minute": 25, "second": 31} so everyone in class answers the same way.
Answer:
{"hour": 10, "minute": 8, "second": 28}
